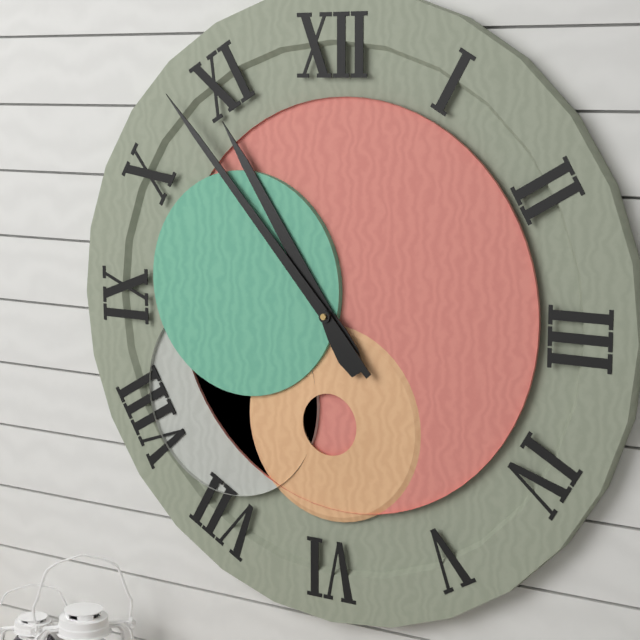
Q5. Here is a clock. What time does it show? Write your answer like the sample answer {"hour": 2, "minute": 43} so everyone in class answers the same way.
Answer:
{"hour": 10, "minute": 53}
